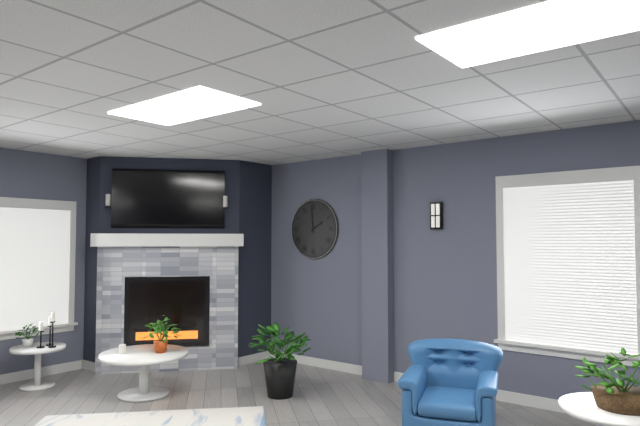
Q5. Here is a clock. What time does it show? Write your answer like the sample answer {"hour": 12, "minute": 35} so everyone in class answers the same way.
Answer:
{"hour": 1, "minute": 59}
